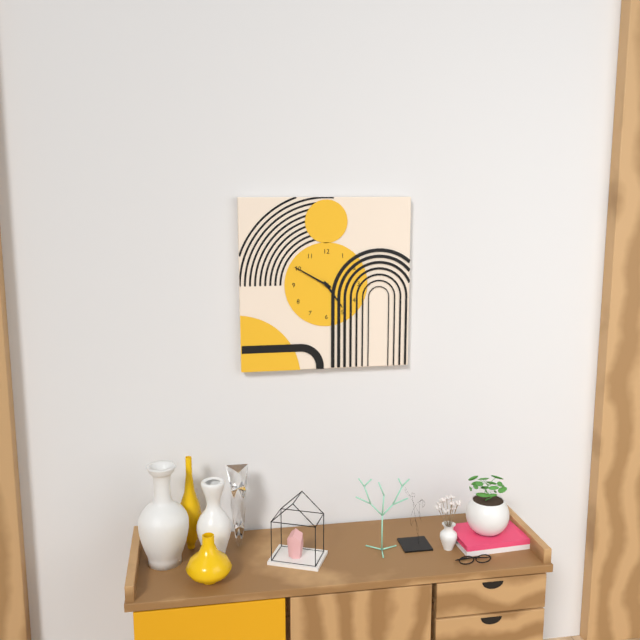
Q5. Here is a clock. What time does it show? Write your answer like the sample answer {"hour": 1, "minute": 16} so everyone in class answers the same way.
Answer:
{"hour": 4, "minute": 50}
